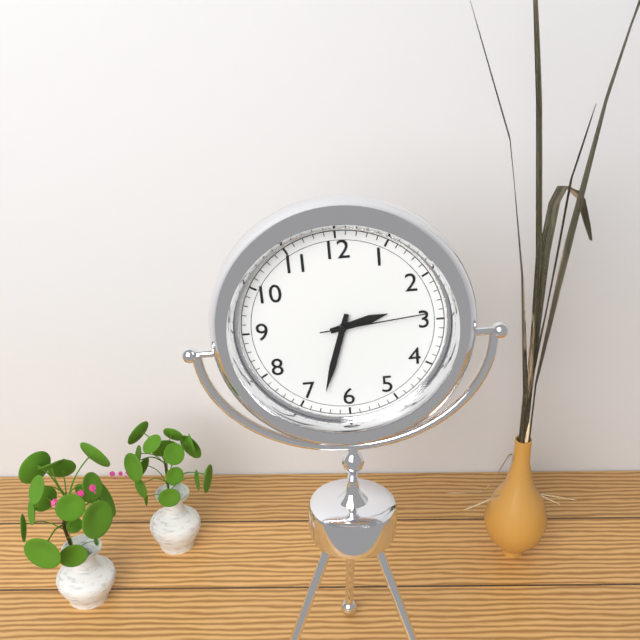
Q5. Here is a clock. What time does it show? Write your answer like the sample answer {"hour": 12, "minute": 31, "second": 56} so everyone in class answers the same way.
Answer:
{"hour": 2, "minute": 33, "second": 14}
